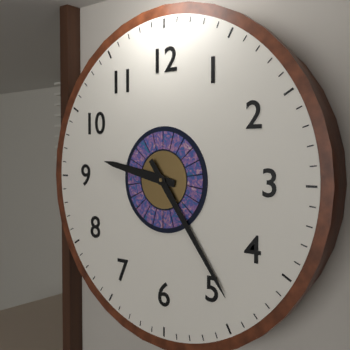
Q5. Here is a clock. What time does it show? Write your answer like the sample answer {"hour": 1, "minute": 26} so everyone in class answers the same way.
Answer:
{"hour": 9, "minute": 24}
